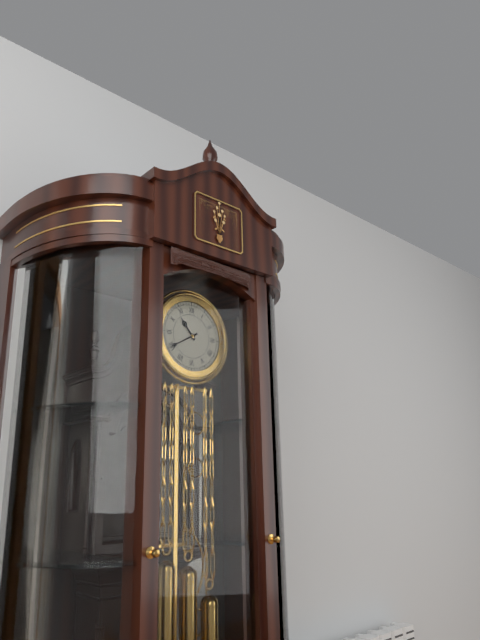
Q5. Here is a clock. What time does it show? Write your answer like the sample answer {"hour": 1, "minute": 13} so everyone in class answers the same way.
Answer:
{"hour": 10, "minute": 40}
